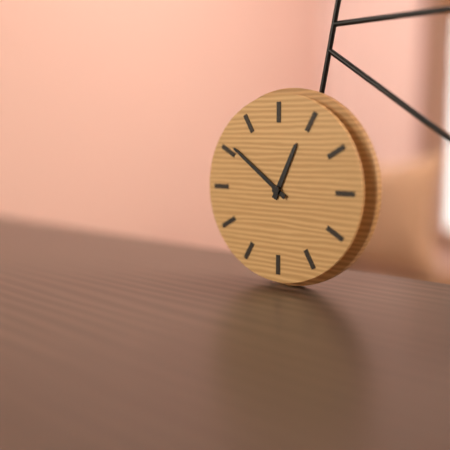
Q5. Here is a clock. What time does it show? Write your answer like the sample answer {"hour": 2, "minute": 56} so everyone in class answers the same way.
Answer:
{"hour": 12, "minute": 51}
